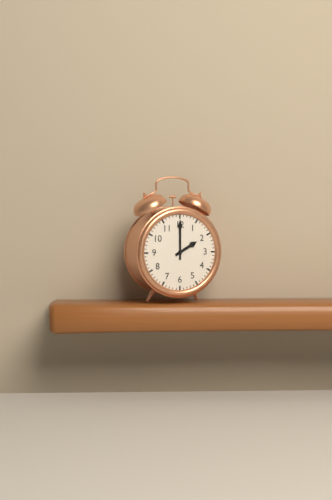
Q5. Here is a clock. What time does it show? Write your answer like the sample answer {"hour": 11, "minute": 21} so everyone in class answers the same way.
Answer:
{"hour": 2, "minute": 0}
